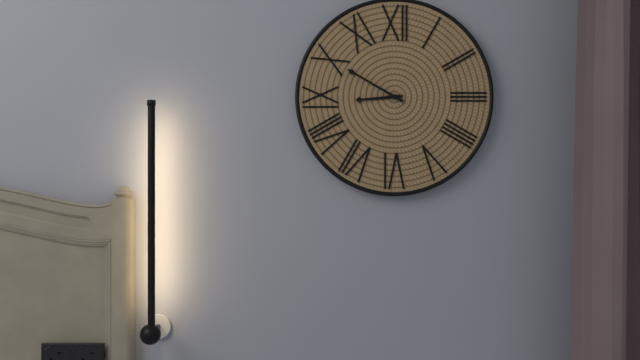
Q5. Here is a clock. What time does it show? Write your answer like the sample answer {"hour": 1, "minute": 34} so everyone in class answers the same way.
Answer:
{"hour": 8, "minute": 50}
